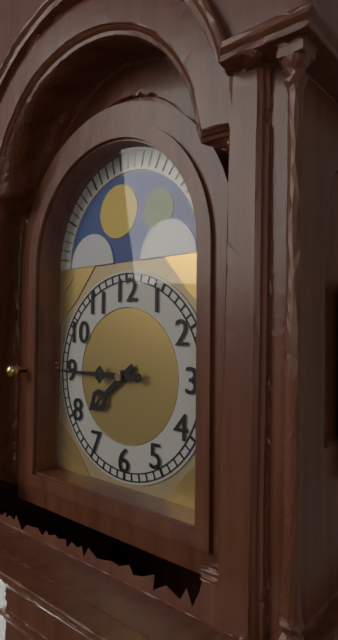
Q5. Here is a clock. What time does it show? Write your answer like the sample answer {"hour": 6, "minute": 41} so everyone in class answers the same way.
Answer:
{"hour": 7, "minute": 45}
